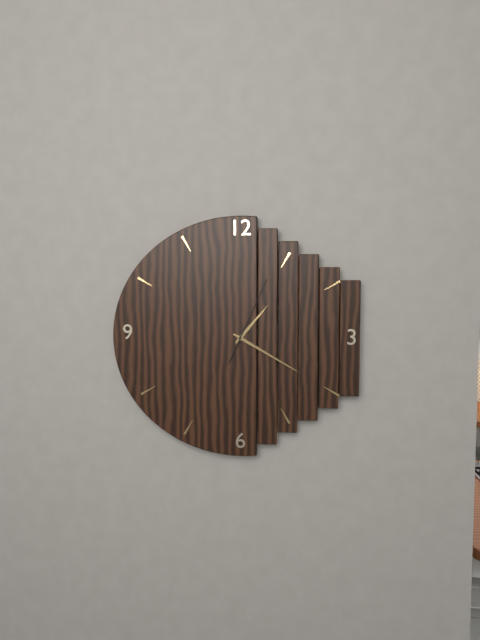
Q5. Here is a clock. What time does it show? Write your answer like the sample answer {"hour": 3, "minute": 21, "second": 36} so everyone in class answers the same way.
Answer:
{"hour": 1, "minute": 20, "second": 4}
